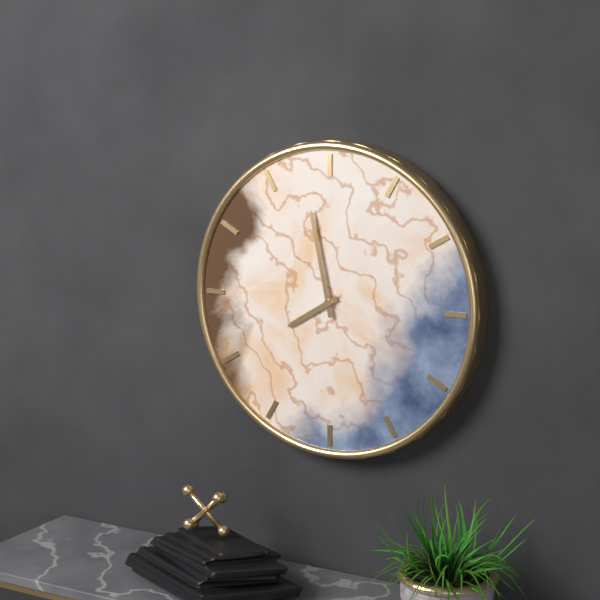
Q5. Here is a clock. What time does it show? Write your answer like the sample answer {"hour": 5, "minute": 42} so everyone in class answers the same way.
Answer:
{"hour": 7, "minute": 58}
